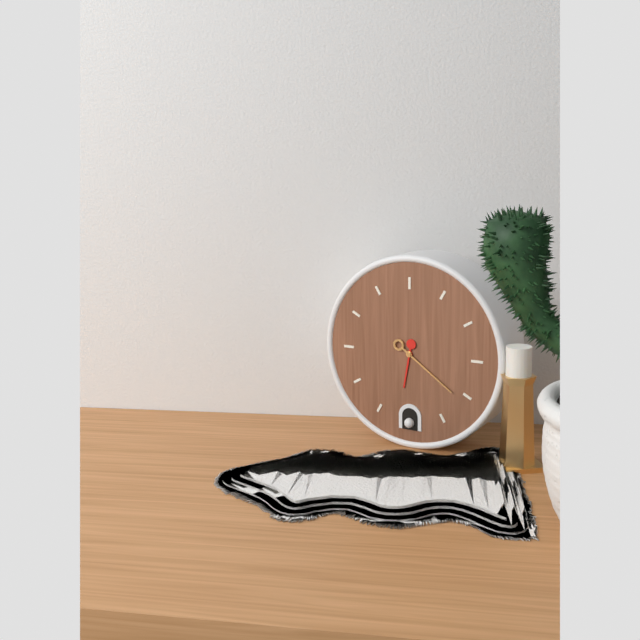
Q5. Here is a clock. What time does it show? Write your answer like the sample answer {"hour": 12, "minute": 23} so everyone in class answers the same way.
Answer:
{"hour": 6, "minute": 21}
